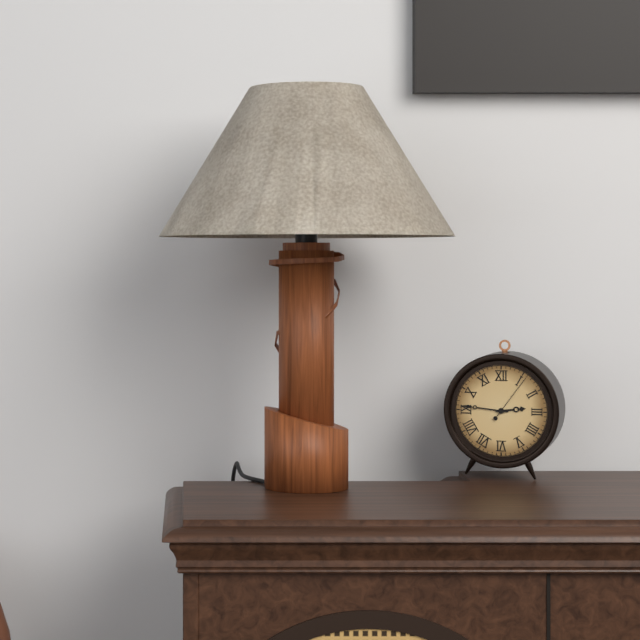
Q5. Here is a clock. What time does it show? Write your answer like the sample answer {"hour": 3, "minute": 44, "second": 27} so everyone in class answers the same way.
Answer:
{"hour": 2, "minute": 46, "second": 6}
